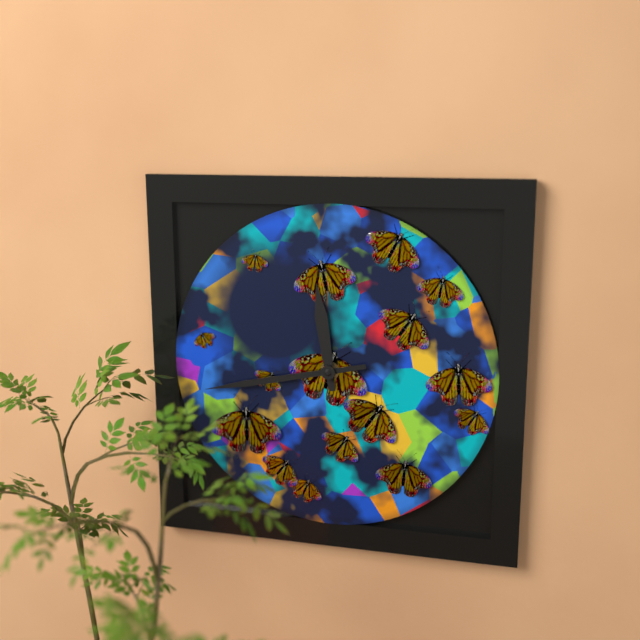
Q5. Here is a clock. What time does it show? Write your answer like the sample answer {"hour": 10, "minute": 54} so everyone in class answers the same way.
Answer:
{"hour": 11, "minute": 43}
